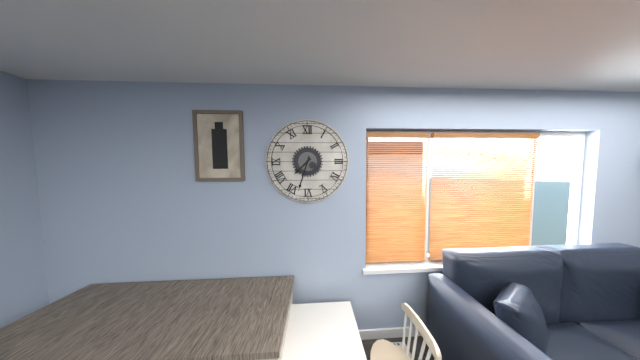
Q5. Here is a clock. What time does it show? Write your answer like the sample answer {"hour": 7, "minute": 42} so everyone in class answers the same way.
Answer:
{"hour": 7, "minute": 33}
